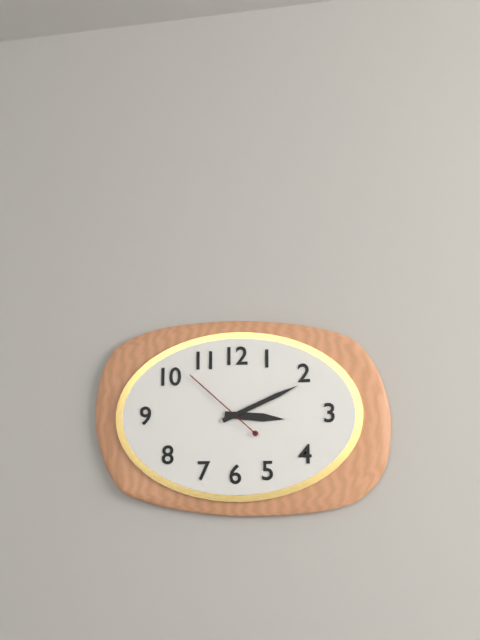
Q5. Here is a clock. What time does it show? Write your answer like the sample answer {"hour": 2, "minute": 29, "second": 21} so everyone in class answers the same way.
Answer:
{"hour": 3, "minute": 11, "second": 52}
